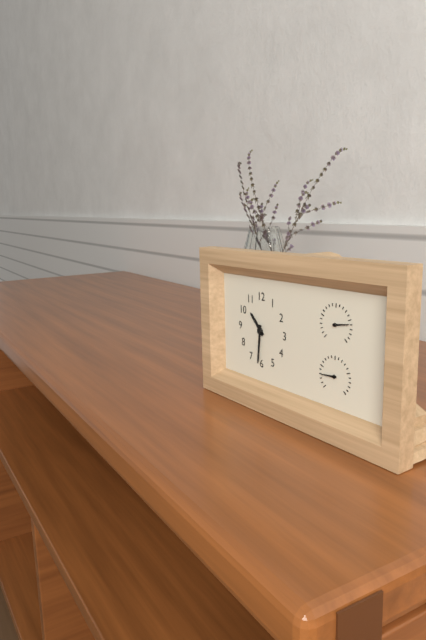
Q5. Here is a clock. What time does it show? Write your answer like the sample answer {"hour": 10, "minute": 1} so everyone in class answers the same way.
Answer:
{"hour": 10, "minute": 31}
